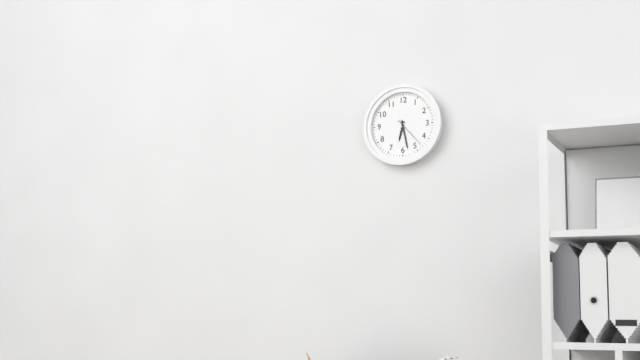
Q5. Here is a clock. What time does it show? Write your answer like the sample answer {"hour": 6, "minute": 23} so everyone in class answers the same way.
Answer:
{"hour": 6, "minute": 28}
